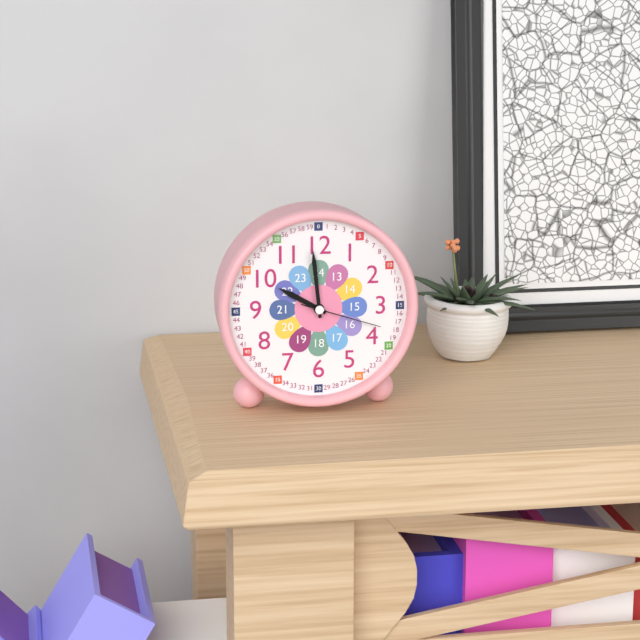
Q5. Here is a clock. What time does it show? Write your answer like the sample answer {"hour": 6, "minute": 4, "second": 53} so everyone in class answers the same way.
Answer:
{"hour": 9, "minute": 59, "second": 18}
